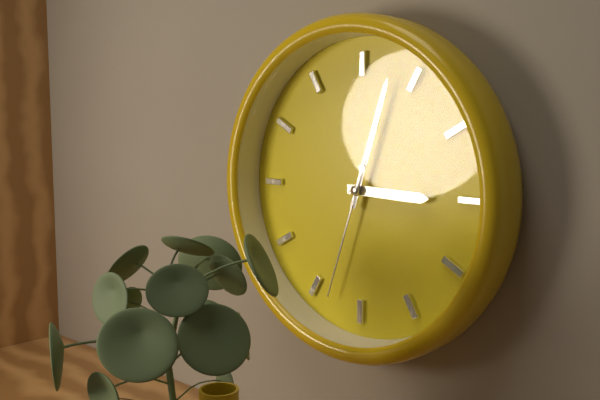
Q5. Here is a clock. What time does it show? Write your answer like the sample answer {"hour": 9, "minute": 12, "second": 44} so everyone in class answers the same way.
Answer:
{"hour": 3, "minute": 3, "second": 33}
